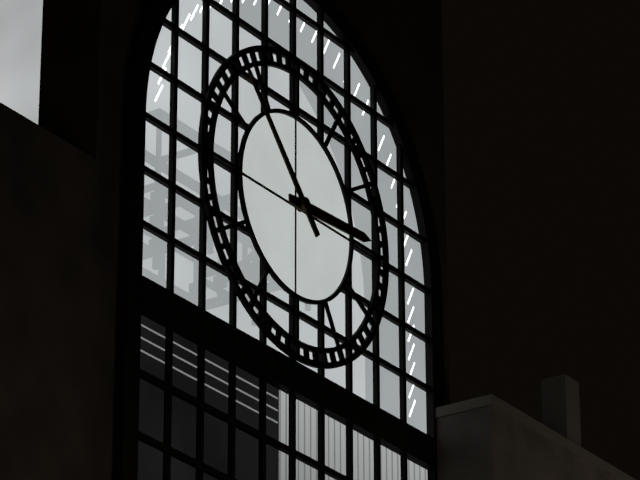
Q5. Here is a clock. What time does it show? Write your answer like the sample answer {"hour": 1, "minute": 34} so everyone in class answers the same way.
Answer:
{"hour": 2, "minute": 53}
